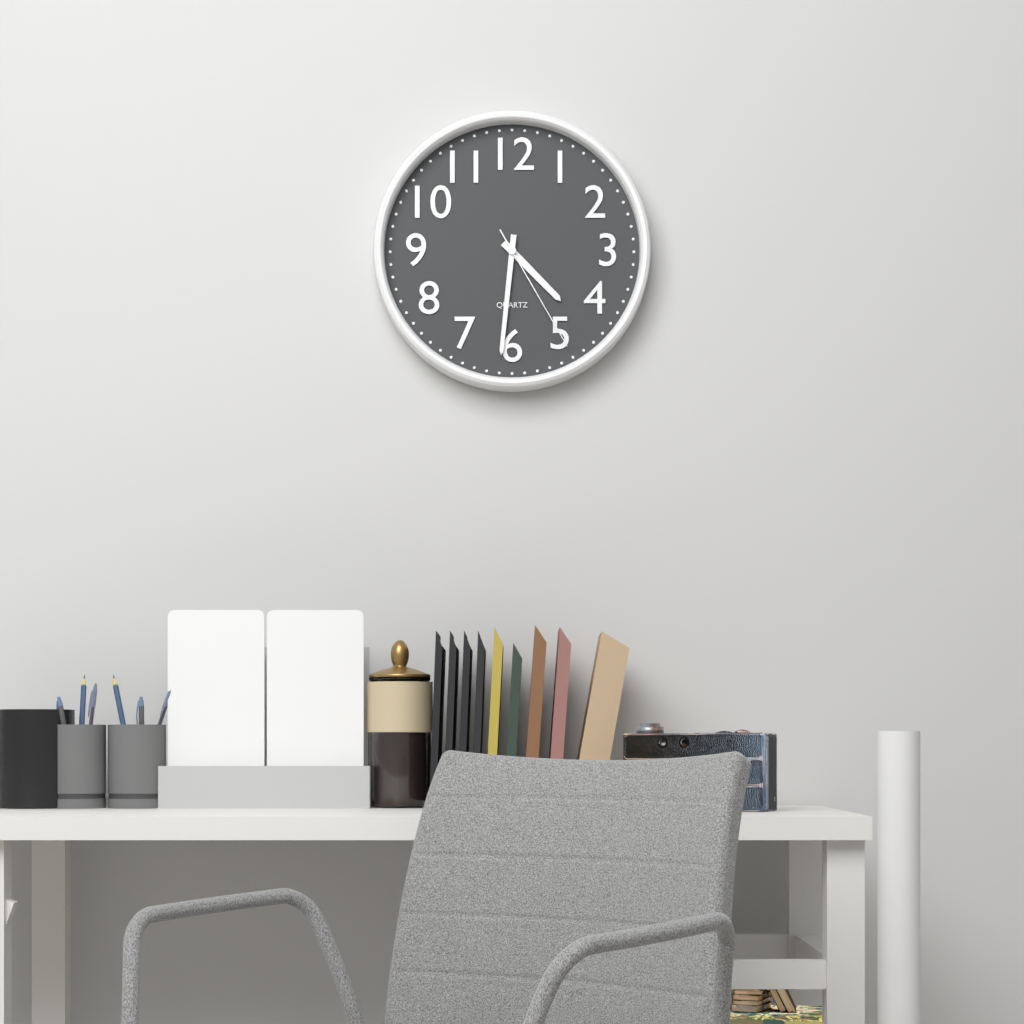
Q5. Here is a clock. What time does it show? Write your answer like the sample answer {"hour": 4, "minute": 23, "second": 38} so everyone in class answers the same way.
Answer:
{"hour": 4, "minute": 31, "second": 25}
